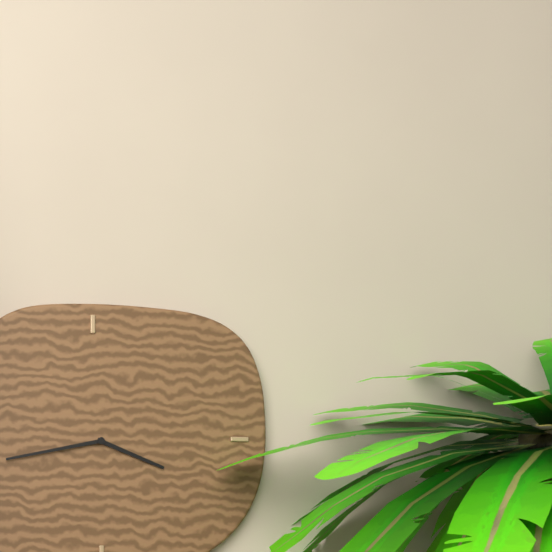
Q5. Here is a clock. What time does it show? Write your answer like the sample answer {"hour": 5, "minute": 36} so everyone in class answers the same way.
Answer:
{"hour": 3, "minute": 43}
